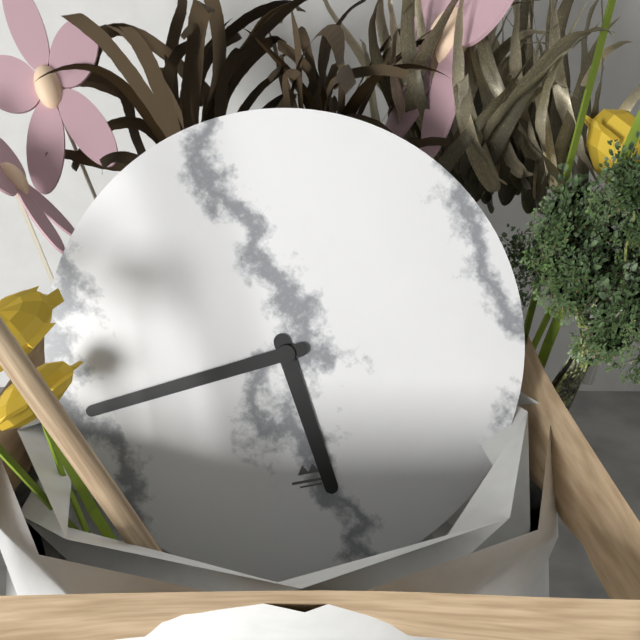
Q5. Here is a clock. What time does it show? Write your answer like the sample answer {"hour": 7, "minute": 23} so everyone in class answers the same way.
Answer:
{"hour": 5, "minute": 44}
